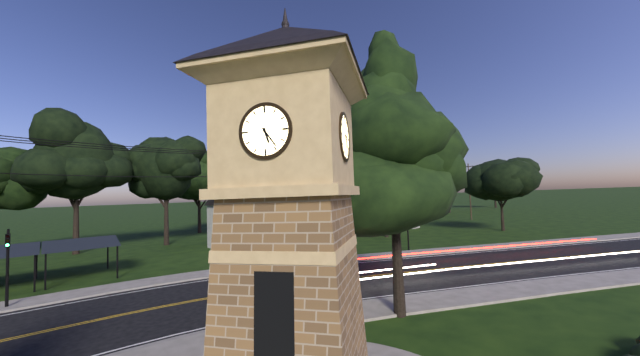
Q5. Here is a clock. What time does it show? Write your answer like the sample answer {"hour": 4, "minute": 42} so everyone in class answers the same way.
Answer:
{"hour": 5, "minute": 24}
